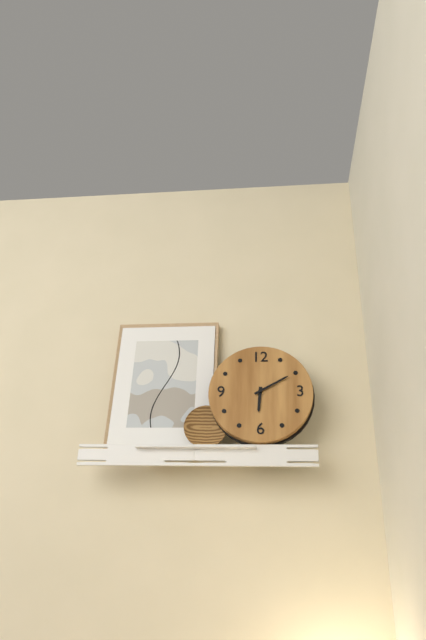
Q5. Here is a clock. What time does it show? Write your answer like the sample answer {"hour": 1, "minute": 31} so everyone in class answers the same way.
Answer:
{"hour": 6, "minute": 10}
